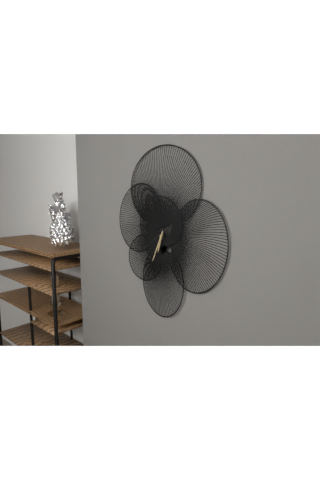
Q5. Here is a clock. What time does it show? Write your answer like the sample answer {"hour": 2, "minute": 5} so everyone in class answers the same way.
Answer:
{"hour": 6, "minute": 34}
